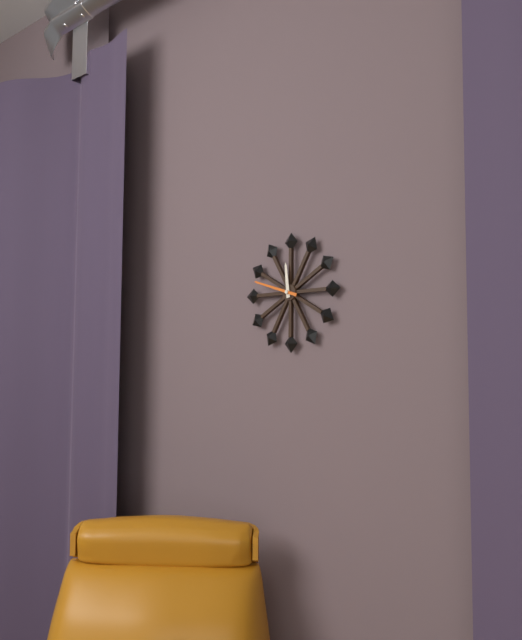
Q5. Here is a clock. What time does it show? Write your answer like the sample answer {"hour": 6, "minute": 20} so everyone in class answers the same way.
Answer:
{"hour": 11, "minute": 48}
